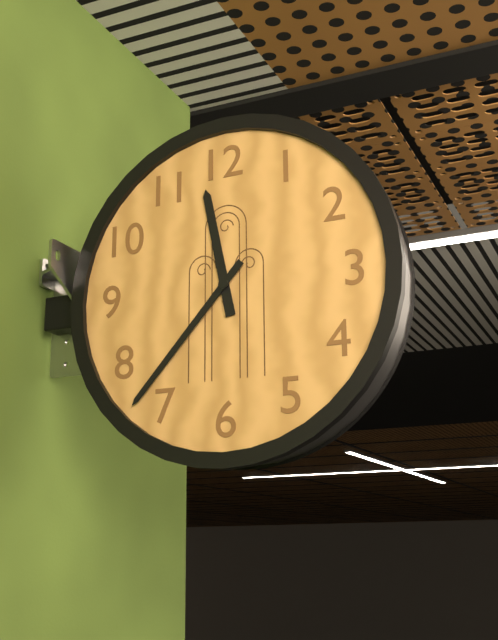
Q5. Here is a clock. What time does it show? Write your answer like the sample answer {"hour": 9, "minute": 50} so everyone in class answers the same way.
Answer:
{"hour": 11, "minute": 37}
